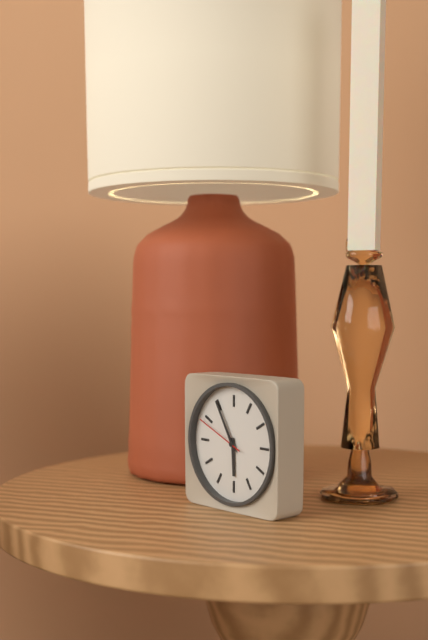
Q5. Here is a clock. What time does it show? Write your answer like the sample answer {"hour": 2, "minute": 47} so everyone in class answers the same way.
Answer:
{"hour": 5, "minute": 55}
